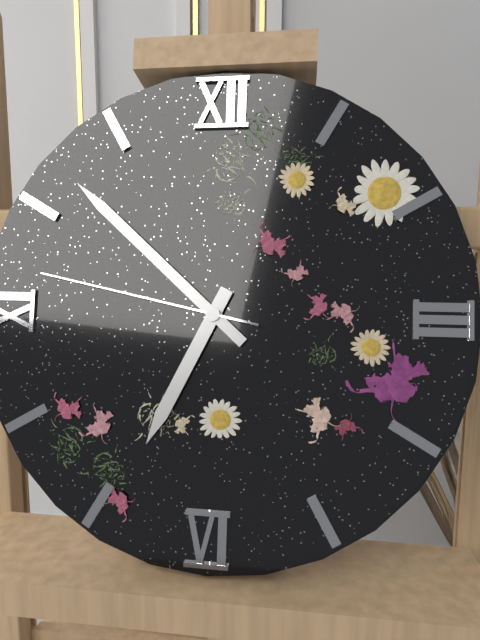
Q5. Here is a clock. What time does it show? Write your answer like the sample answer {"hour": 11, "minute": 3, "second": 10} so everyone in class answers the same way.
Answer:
{"hour": 6, "minute": 52, "second": 47}
